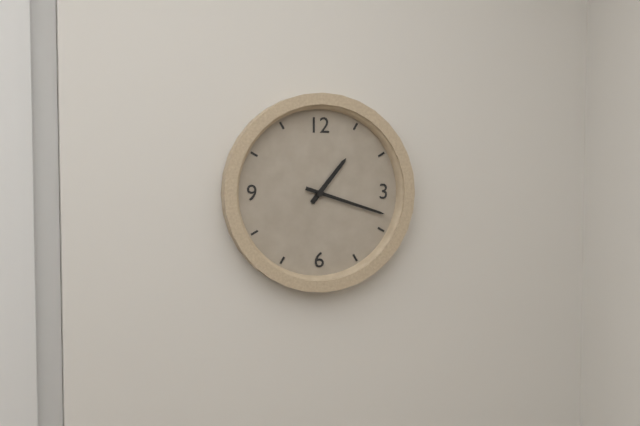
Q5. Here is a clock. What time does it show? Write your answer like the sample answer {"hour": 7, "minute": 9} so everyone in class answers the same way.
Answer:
{"hour": 1, "minute": 18}
